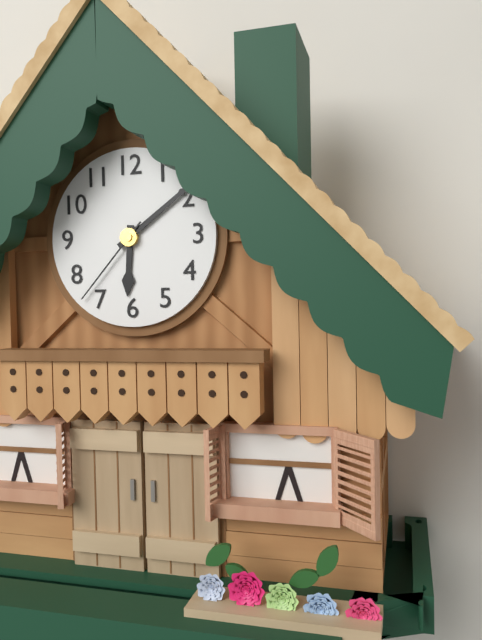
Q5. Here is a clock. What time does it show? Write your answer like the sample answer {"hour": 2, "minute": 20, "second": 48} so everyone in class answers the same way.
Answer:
{"hour": 6, "minute": 9, "second": 37}
